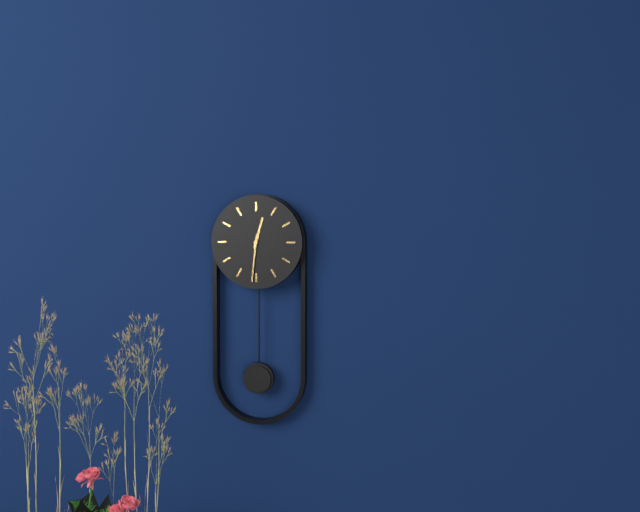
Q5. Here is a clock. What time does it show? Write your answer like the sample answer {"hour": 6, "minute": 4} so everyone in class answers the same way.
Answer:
{"hour": 12, "minute": 31}
